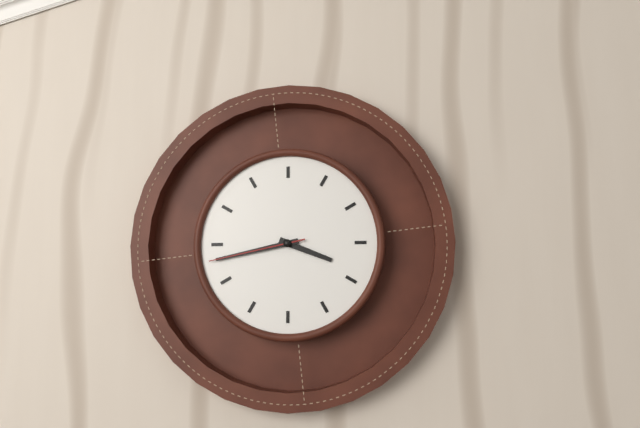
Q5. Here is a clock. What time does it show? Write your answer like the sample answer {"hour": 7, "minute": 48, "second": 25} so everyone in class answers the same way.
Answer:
{"hour": 3, "minute": 43, "second": 43}
